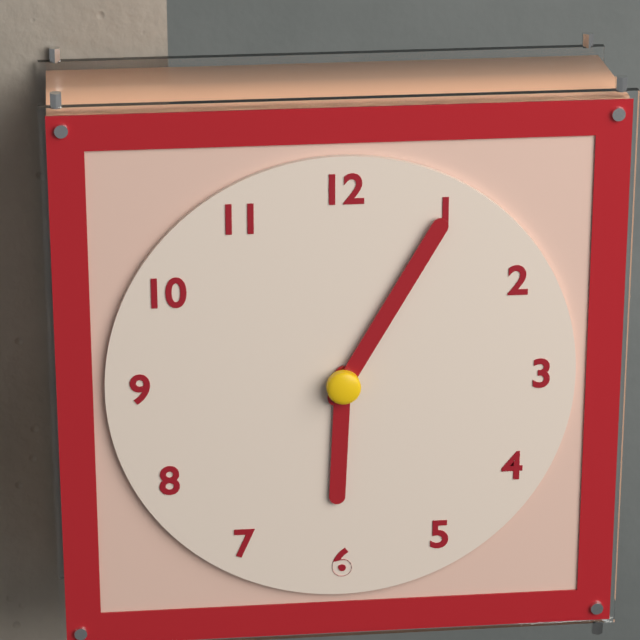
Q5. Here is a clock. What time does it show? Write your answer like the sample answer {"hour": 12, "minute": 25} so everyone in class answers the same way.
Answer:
{"hour": 6, "minute": 5}
